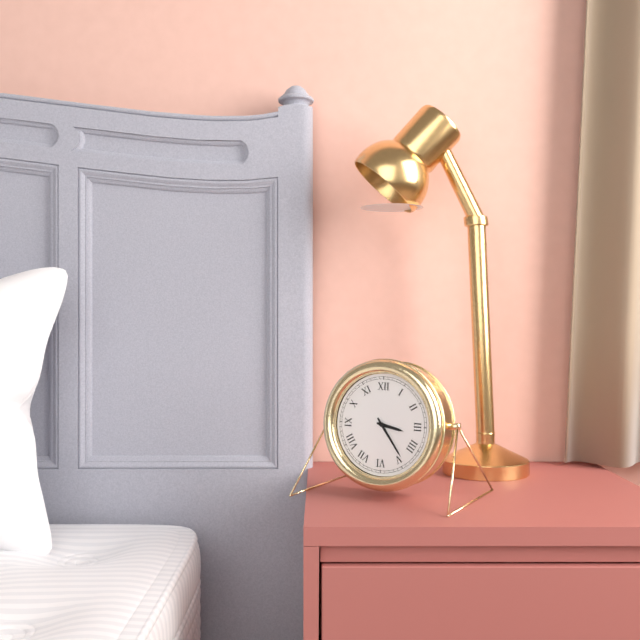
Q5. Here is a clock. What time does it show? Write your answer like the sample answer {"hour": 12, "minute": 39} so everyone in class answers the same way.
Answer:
{"hour": 3, "minute": 24}
